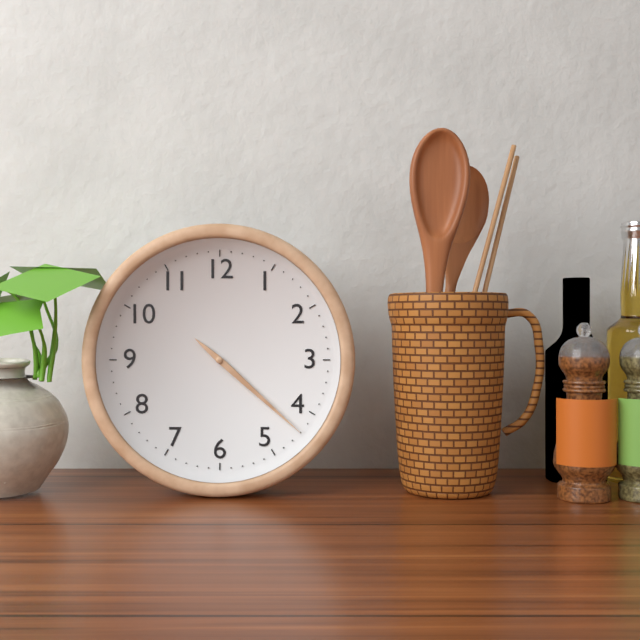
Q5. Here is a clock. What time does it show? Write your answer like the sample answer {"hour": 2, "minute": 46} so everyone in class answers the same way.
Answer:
{"hour": 4, "minute": 22}
